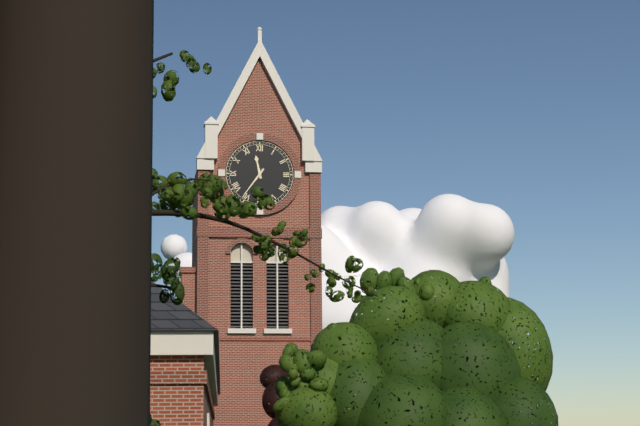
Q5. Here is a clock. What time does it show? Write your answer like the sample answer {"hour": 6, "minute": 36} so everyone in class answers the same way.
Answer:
{"hour": 11, "minute": 36}
